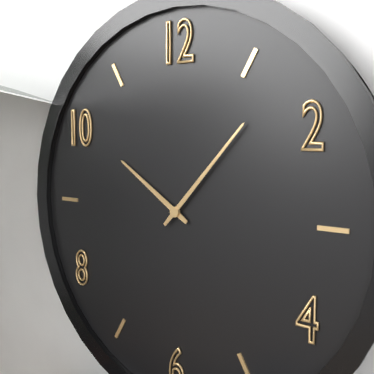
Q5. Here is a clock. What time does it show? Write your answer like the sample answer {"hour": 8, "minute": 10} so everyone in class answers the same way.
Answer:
{"hour": 10, "minute": 7}
